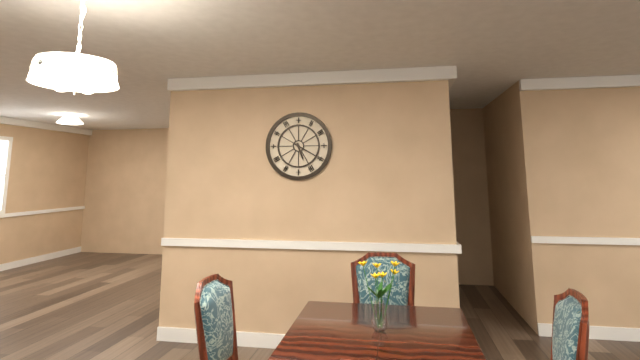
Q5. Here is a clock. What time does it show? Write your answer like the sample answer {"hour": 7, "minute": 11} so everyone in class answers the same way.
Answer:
{"hour": 5, "minute": 20}
